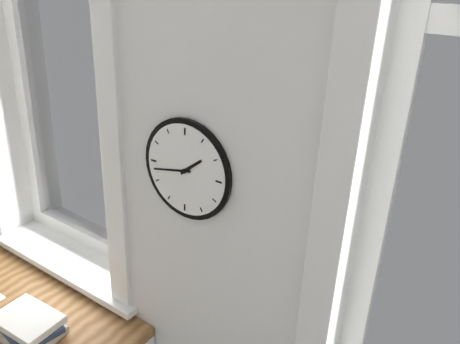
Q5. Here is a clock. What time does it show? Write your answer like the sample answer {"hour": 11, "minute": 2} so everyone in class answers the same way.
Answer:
{"hour": 1, "minute": 43}
